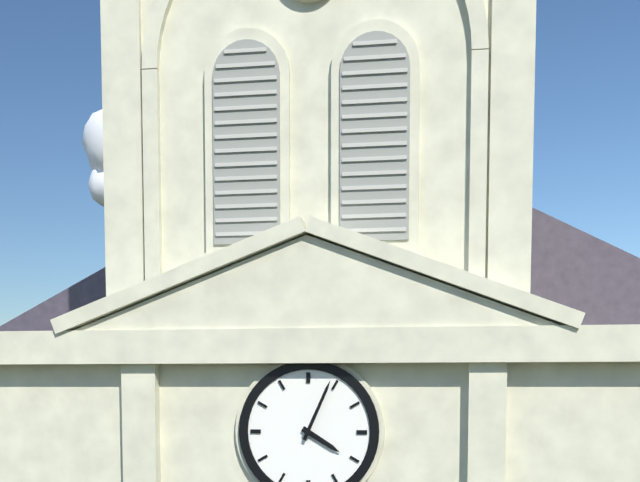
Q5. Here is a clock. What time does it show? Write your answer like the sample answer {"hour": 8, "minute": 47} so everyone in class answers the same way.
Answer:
{"hour": 4, "minute": 4}
